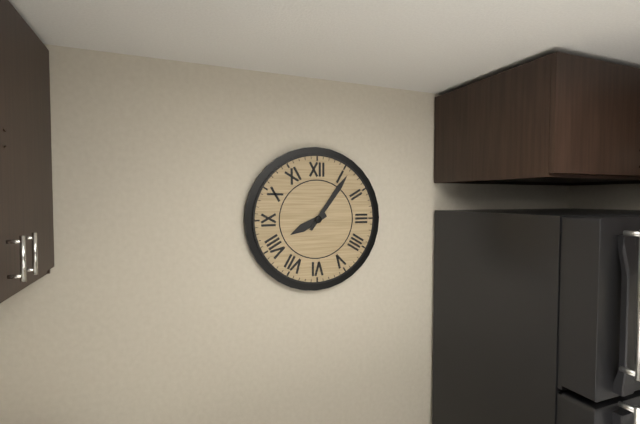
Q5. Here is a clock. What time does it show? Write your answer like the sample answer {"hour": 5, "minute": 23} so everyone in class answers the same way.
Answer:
{"hour": 8, "minute": 6}
